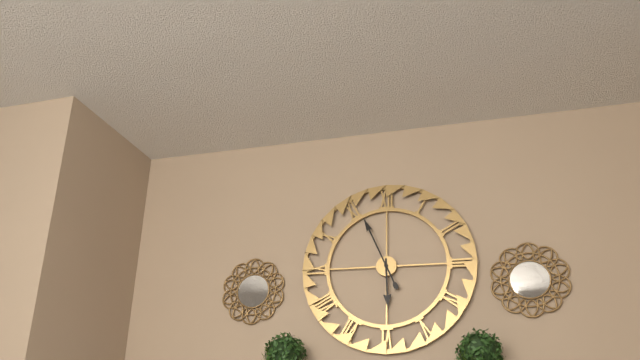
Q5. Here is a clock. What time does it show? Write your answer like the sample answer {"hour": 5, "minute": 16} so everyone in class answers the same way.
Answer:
{"hour": 5, "minute": 56}
